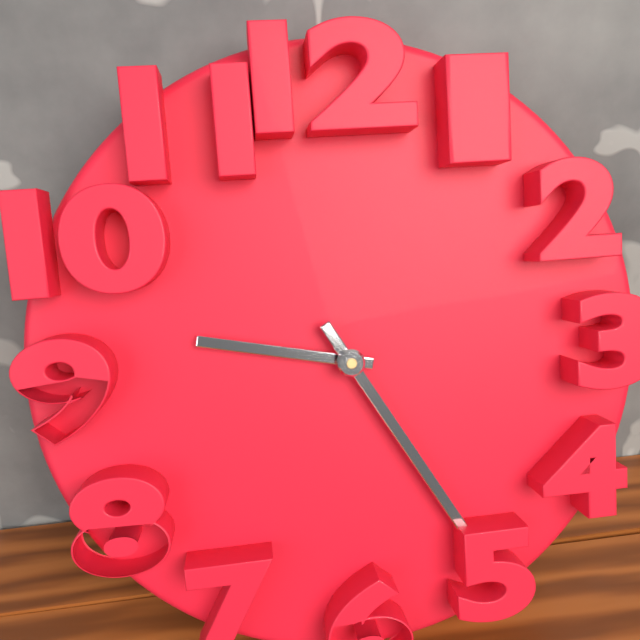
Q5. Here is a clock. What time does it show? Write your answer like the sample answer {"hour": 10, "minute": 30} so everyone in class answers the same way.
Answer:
{"hour": 9, "minute": 25}
